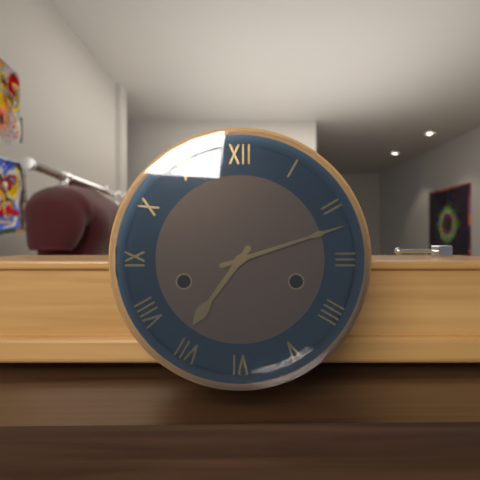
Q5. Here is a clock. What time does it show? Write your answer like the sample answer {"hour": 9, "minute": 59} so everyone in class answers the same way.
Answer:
{"hour": 7, "minute": 12}
